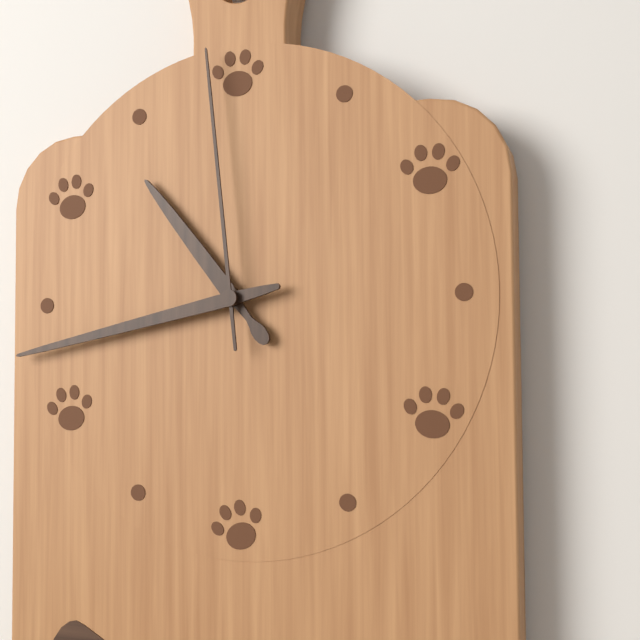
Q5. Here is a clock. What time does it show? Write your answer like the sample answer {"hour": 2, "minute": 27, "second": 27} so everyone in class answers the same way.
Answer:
{"hour": 10, "minute": 43, "second": 59}
